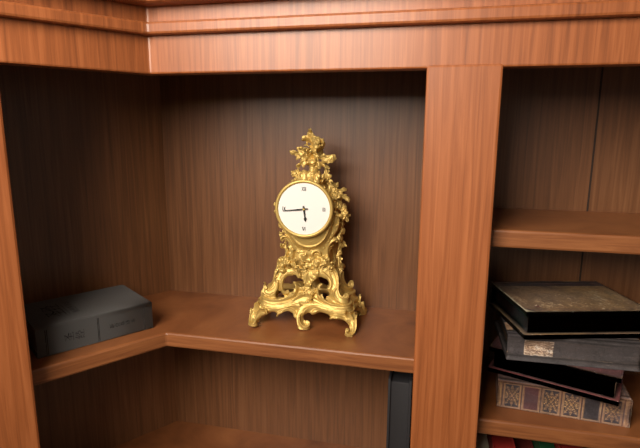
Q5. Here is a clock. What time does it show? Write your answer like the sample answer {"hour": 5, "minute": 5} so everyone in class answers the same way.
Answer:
{"hour": 5, "minute": 44}
